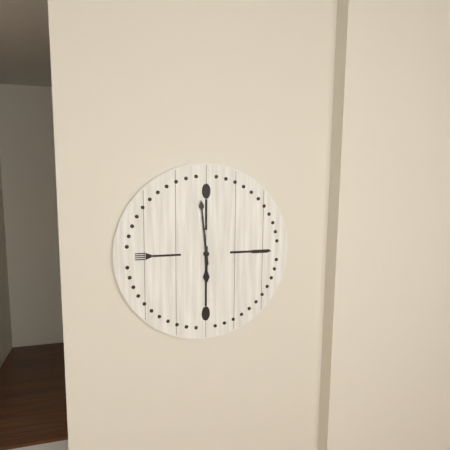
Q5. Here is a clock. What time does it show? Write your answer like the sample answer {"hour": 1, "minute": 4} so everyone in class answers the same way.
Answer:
{"hour": 5, "minute": 59}
